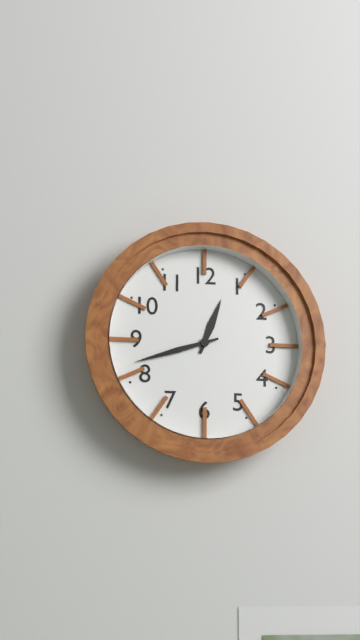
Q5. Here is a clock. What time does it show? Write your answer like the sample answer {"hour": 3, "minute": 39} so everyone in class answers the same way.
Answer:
{"hour": 12, "minute": 42}
